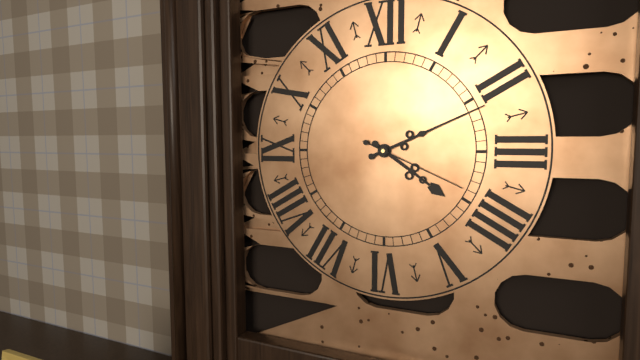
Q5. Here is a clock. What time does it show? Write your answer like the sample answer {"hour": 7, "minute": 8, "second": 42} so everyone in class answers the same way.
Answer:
{"hour": 4, "minute": 11, "second": 19}
